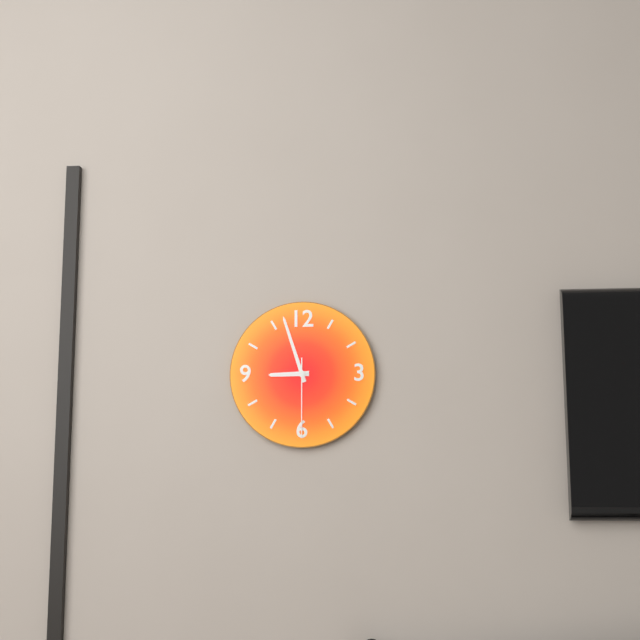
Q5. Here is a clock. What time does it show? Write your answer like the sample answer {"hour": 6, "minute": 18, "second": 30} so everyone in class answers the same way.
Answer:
{"hour": 8, "minute": 57, "second": 30}
